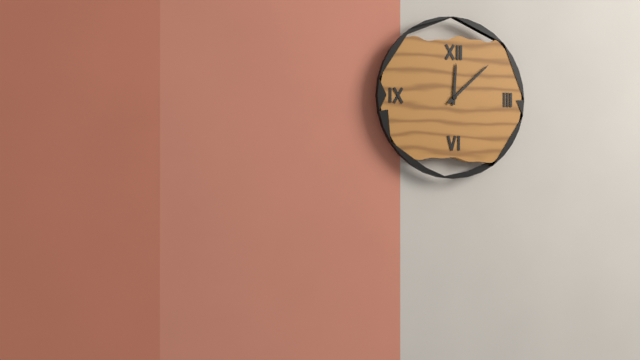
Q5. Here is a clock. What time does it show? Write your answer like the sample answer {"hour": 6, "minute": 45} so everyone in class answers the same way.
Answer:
{"hour": 12, "minute": 8}
